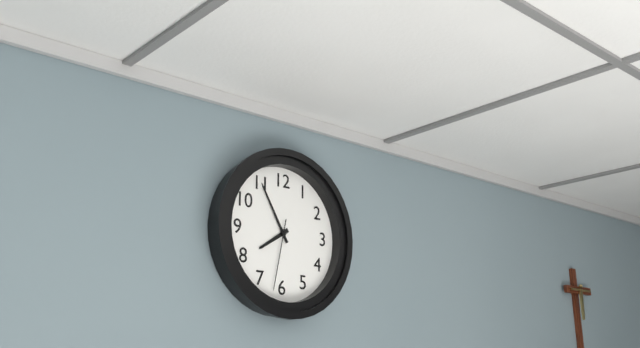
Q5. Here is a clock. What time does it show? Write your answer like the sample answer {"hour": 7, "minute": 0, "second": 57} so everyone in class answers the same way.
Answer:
{"hour": 7, "minute": 55, "second": 32}
